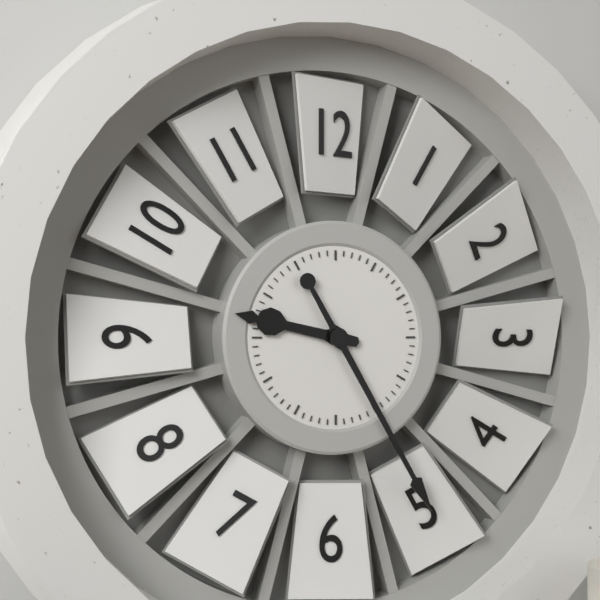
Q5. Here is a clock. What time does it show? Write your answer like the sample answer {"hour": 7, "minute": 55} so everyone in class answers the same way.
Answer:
{"hour": 9, "minute": 25}
